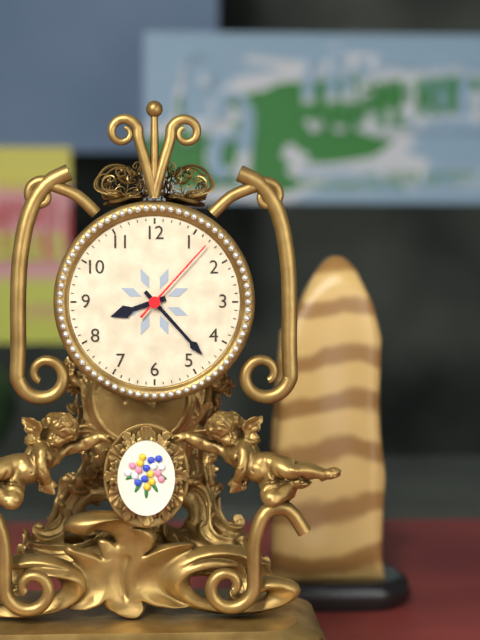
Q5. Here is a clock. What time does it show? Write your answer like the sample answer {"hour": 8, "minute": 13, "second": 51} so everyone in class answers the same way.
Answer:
{"hour": 8, "minute": 23, "second": 7}
